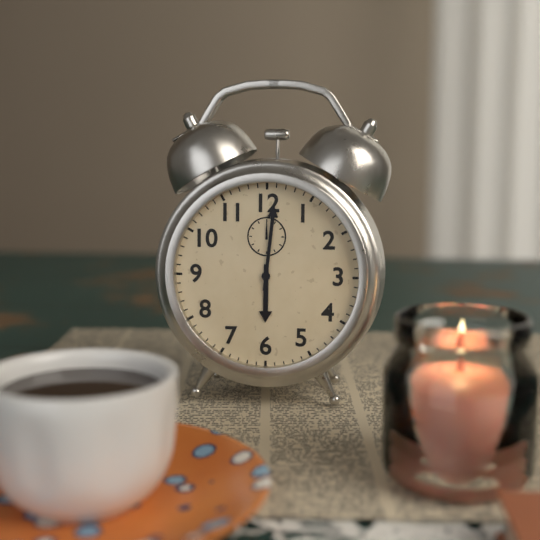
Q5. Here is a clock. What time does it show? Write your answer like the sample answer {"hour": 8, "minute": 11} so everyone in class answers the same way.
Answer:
{"hour": 6, "minute": 1}
